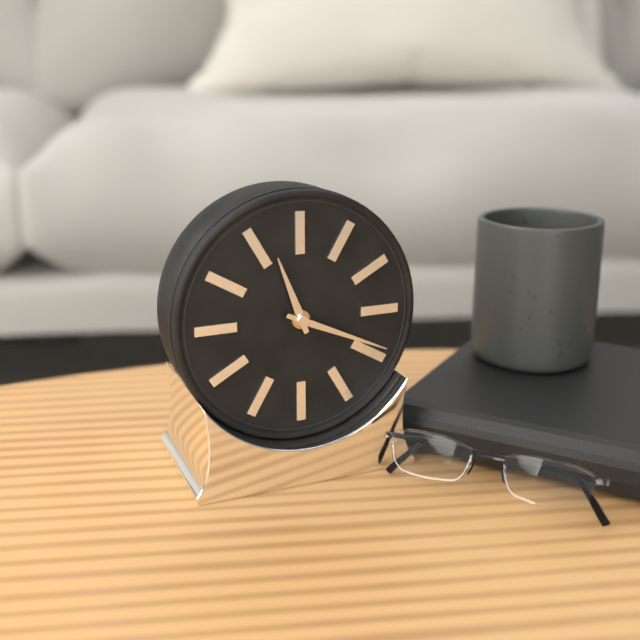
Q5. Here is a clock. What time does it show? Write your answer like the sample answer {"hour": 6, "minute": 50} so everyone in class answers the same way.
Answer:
{"hour": 11, "minute": 19}
